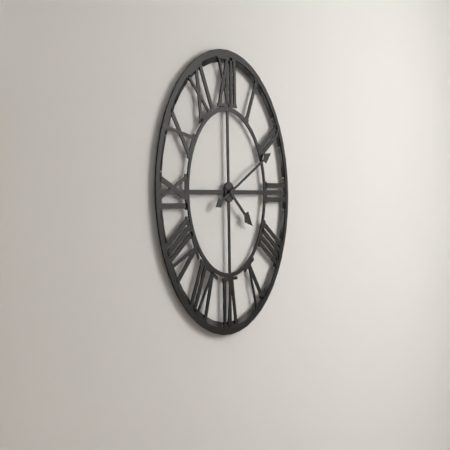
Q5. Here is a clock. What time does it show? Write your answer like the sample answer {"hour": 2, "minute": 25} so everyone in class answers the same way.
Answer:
{"hour": 4, "minute": 11}
